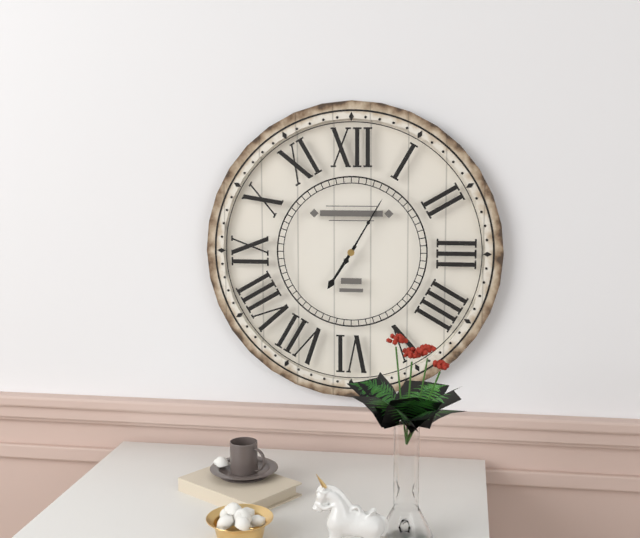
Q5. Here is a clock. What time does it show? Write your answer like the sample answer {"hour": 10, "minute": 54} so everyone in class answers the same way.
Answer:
{"hour": 7, "minute": 5}
